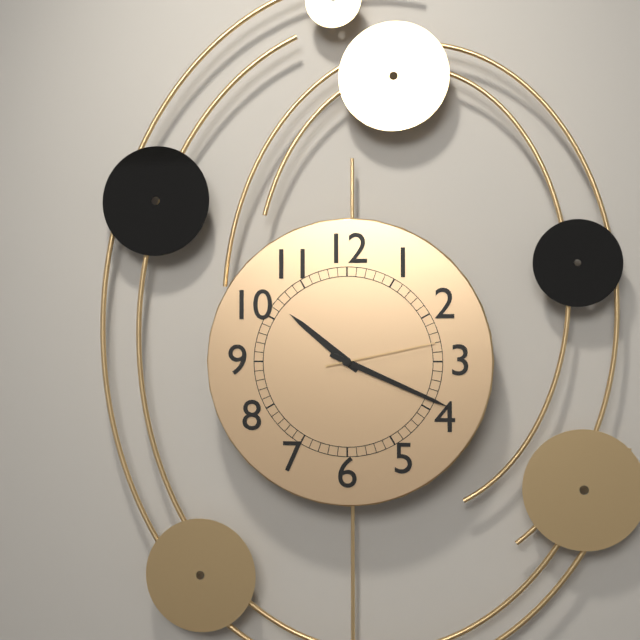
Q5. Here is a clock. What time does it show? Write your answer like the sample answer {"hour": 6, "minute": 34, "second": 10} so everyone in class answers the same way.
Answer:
{"hour": 10, "minute": 19, "second": 13}
